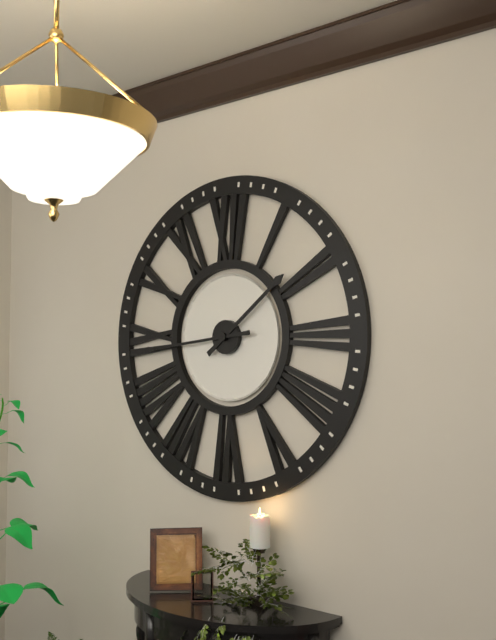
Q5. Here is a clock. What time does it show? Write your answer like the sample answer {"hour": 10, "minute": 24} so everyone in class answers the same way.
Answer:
{"hour": 1, "minute": 44}
